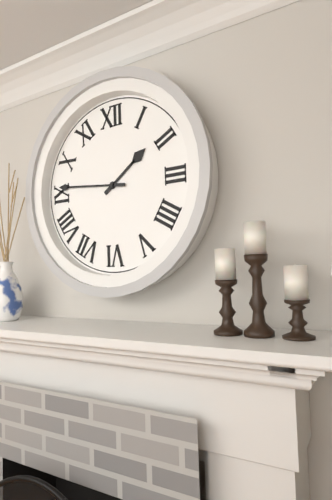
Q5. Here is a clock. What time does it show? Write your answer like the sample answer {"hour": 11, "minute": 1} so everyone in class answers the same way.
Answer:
{"hour": 1, "minute": 46}
